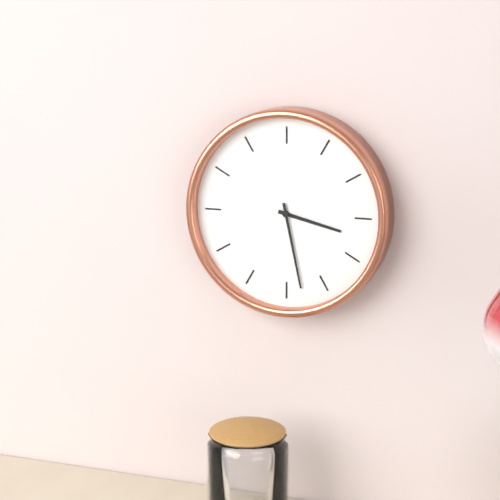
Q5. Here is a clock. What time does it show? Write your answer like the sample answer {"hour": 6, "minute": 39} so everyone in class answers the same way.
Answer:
{"hour": 3, "minute": 28}
